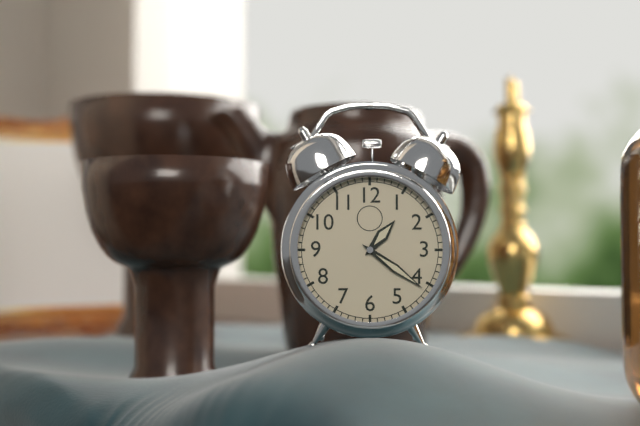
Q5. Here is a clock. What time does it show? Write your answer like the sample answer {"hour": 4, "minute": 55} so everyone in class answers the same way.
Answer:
{"hour": 1, "minute": 21}
